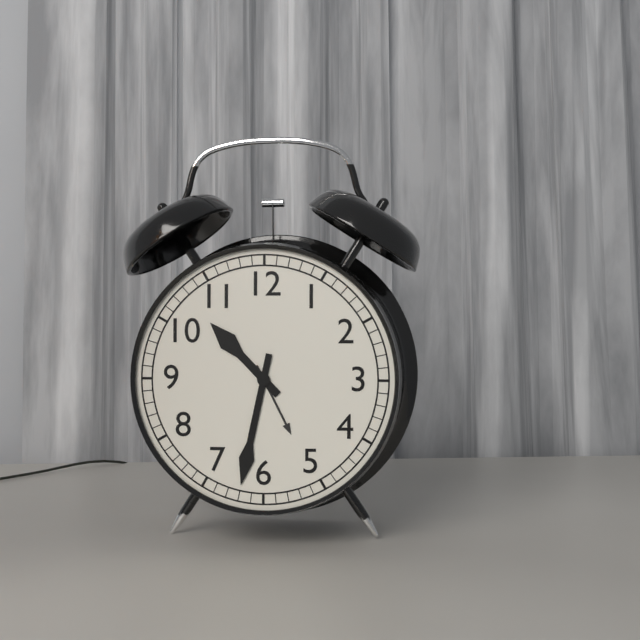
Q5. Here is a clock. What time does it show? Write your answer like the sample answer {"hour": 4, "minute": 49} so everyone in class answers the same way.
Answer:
{"hour": 10, "minute": 32}
